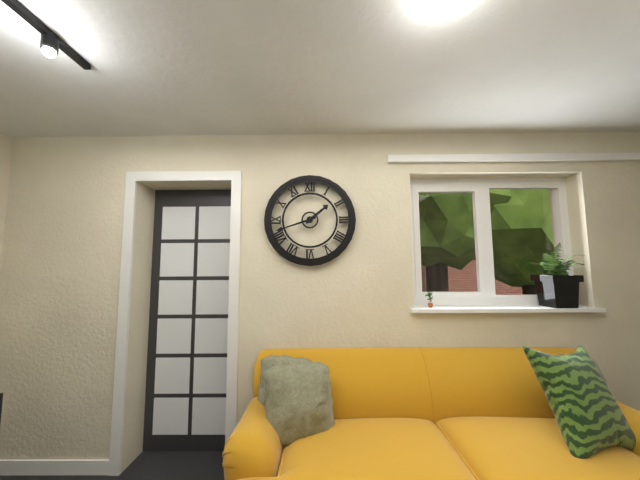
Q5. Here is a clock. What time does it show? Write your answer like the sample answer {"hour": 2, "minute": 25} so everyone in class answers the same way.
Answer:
{"hour": 1, "minute": 42}
